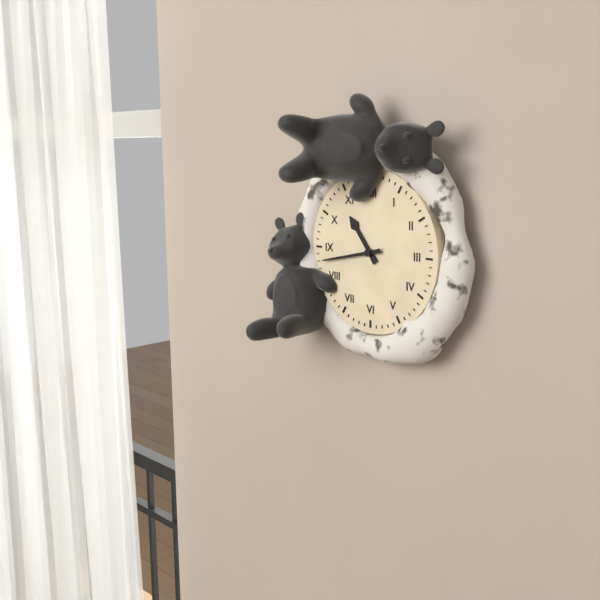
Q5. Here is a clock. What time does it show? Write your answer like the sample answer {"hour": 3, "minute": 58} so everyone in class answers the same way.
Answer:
{"hour": 10, "minute": 43}
